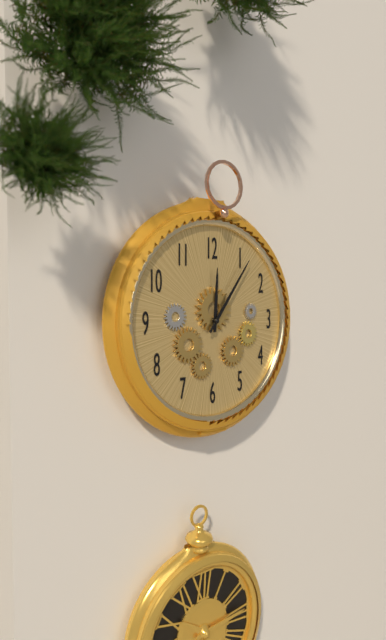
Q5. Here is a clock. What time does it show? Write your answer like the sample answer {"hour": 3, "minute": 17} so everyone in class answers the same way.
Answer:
{"hour": 12, "minute": 6}
